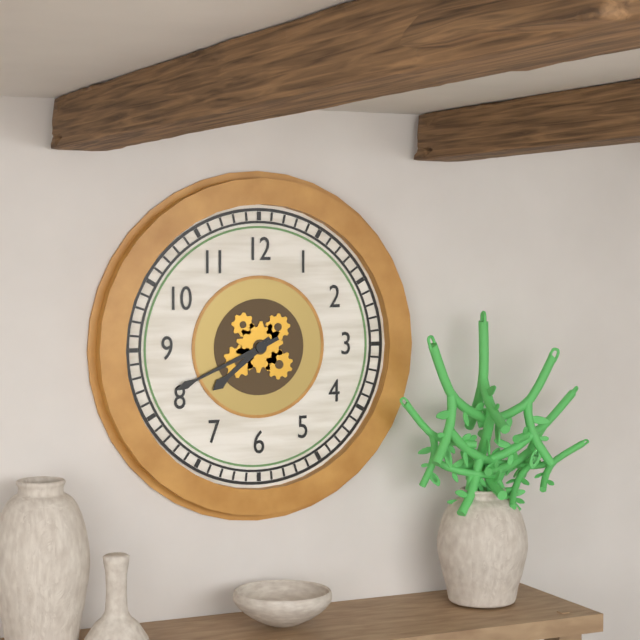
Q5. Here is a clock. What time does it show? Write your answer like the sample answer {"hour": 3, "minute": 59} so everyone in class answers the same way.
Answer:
{"hour": 7, "minute": 41}
